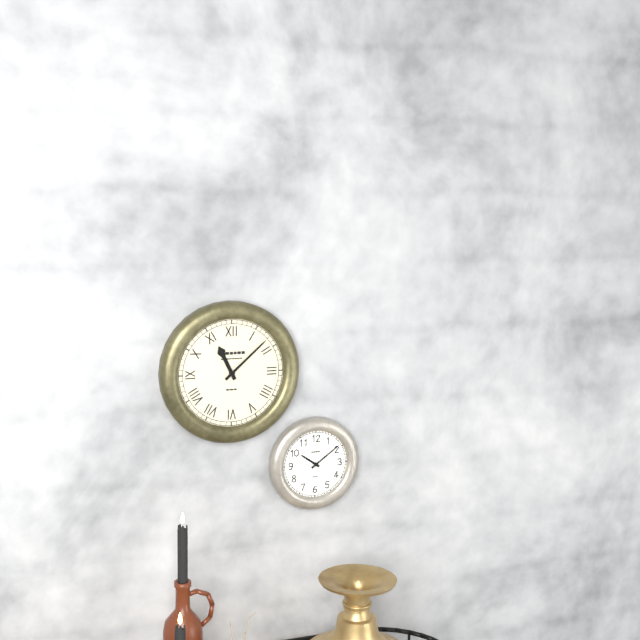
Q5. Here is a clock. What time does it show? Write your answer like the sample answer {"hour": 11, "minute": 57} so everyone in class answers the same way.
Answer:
{"hour": 11, "minute": 8}
